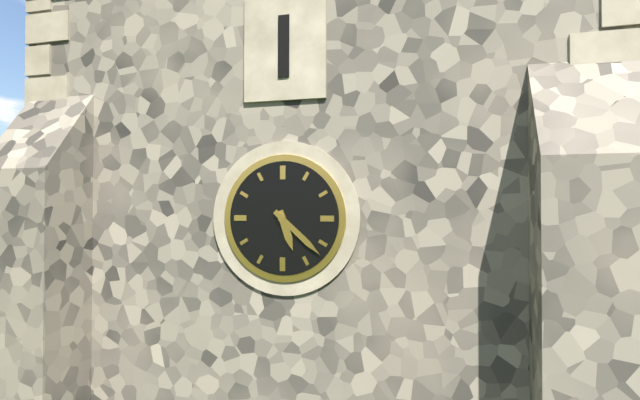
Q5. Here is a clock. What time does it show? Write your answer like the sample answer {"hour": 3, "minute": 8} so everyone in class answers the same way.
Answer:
{"hour": 5, "minute": 22}
